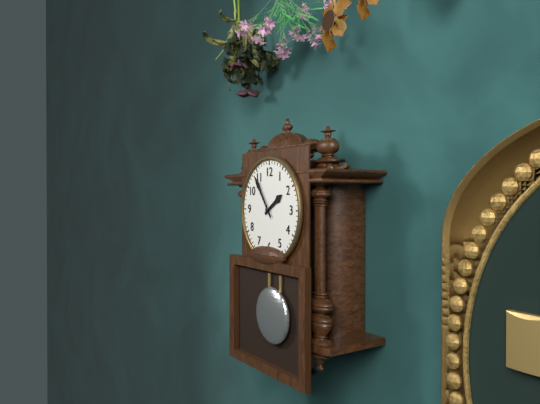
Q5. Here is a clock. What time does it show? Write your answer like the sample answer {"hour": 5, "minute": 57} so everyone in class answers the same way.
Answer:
{"hour": 1, "minute": 54}
